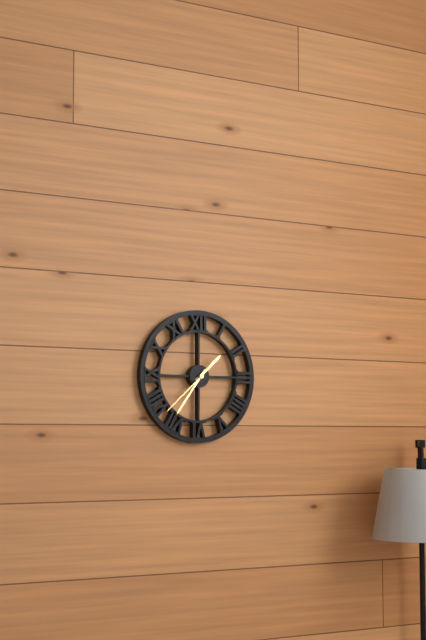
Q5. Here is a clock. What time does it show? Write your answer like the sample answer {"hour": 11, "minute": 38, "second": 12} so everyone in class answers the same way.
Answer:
{"hour": 1, "minute": 36, "second": 38}
